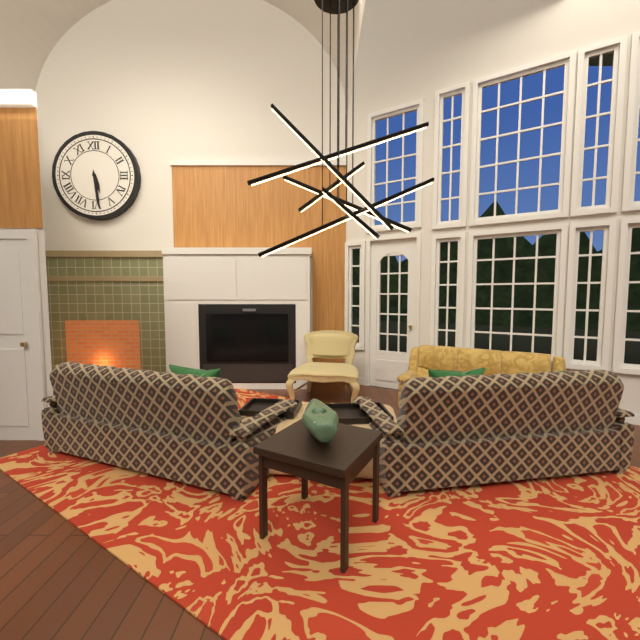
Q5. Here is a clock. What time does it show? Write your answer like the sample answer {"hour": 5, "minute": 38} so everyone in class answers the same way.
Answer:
{"hour": 5, "minute": 29}
